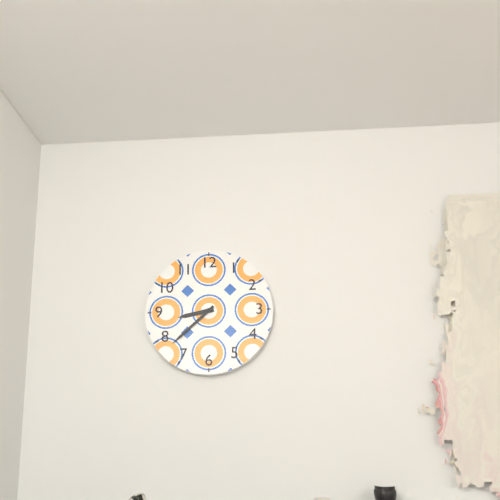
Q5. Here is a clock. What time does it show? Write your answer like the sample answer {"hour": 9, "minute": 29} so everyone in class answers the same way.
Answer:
{"hour": 8, "minute": 38}
